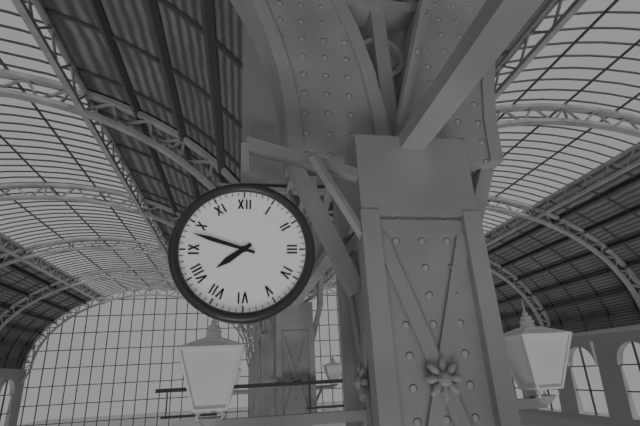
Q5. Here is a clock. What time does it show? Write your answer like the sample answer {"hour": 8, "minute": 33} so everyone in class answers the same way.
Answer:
{"hour": 7, "minute": 48}
